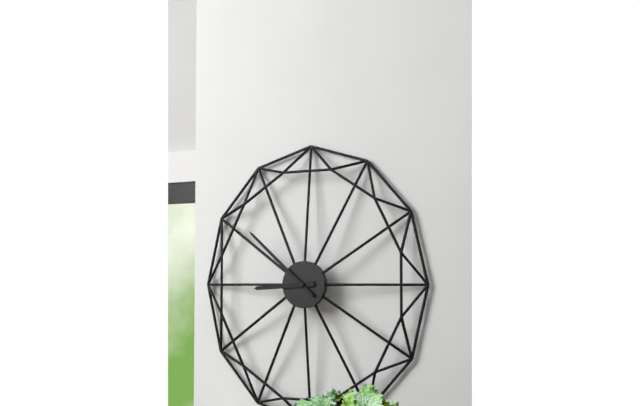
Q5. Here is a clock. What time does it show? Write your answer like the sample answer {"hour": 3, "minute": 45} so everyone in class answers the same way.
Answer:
{"hour": 8, "minute": 52}
